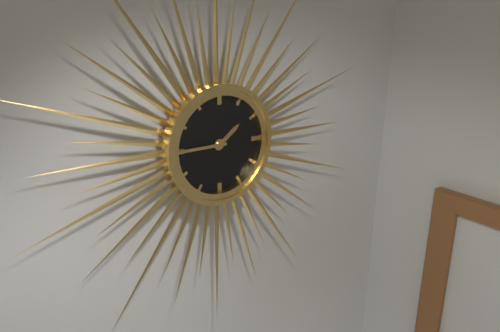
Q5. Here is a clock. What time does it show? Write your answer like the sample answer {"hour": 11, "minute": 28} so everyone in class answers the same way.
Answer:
{"hour": 1, "minute": 45}
